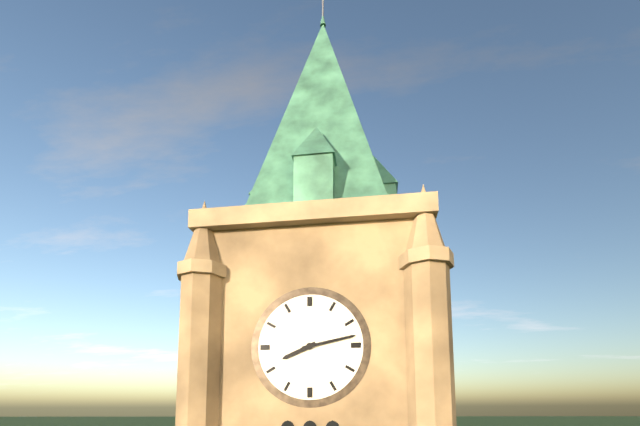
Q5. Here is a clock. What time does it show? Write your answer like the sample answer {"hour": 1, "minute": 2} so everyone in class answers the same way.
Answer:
{"hour": 8, "minute": 13}
